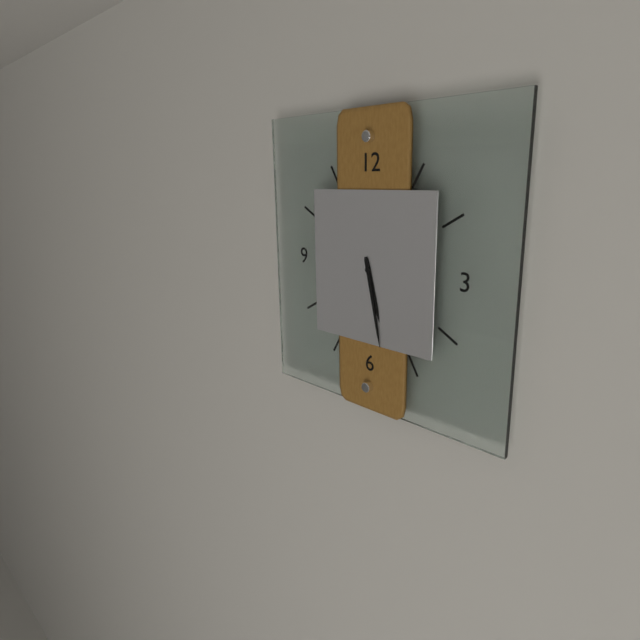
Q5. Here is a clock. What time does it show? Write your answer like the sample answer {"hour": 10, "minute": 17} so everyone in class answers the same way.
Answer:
{"hour": 5, "minute": 28}
